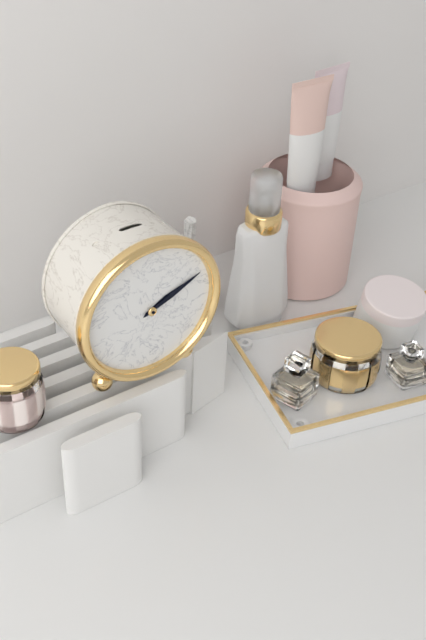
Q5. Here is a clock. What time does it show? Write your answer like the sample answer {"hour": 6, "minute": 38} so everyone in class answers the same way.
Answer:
{"hour": 2, "minute": 11}
